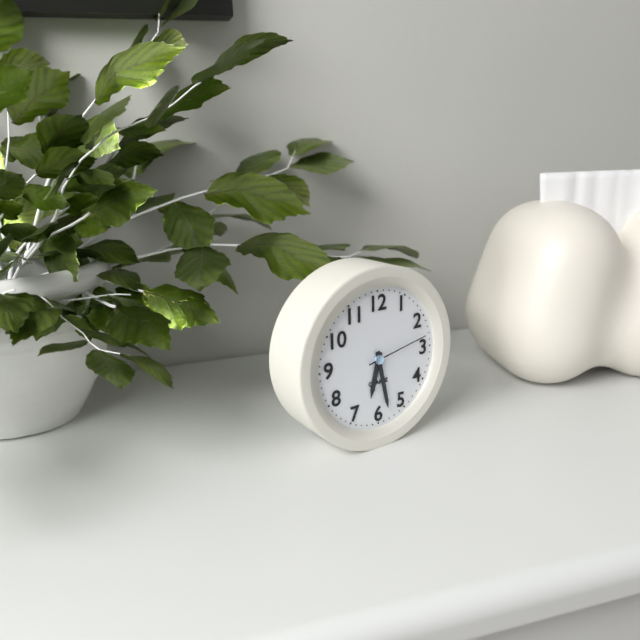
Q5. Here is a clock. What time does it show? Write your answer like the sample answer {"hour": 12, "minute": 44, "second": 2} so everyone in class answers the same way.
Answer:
{"hour": 6, "minute": 28, "second": 13}
